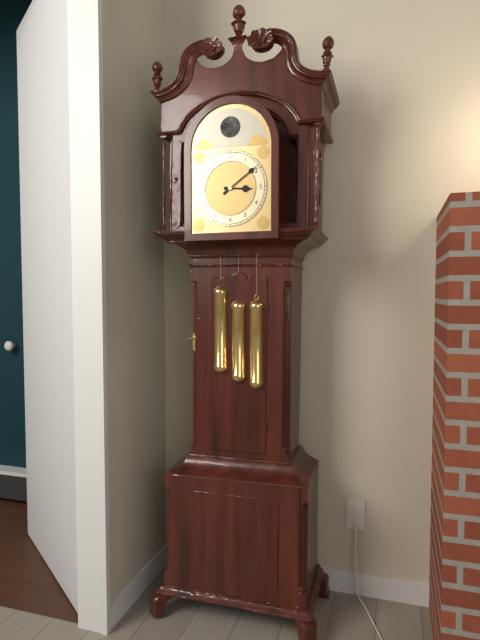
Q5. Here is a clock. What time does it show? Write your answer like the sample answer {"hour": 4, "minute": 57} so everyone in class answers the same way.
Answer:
{"hour": 3, "minute": 9}
